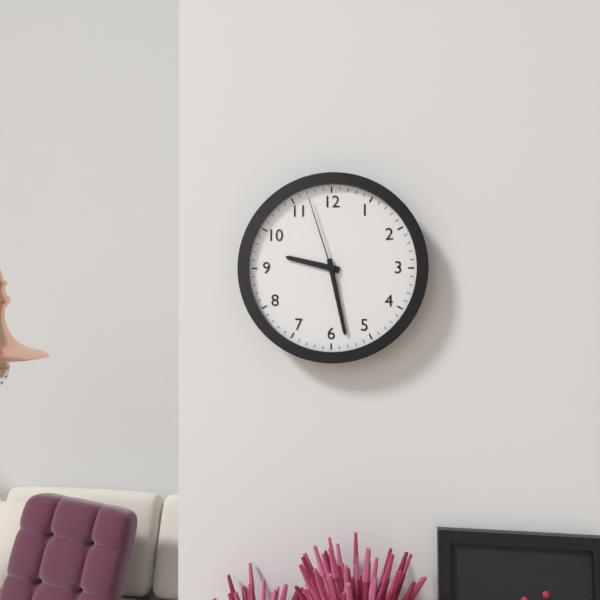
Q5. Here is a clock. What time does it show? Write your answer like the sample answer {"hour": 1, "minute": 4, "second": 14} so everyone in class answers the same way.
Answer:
{"hour": 9, "minute": 28, "second": 57}
